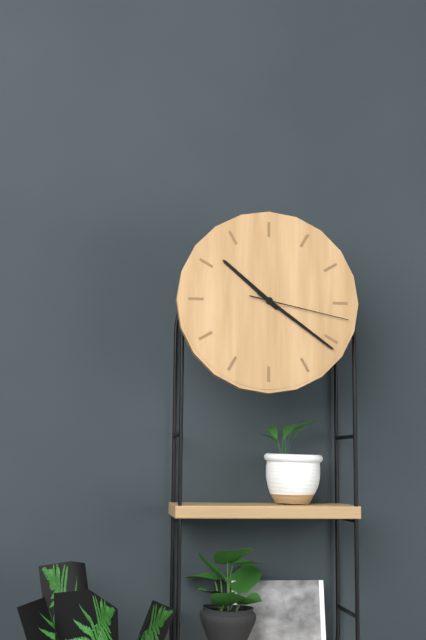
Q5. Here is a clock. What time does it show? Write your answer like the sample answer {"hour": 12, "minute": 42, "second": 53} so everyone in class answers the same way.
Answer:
{"hour": 10, "minute": 21, "second": 17}
